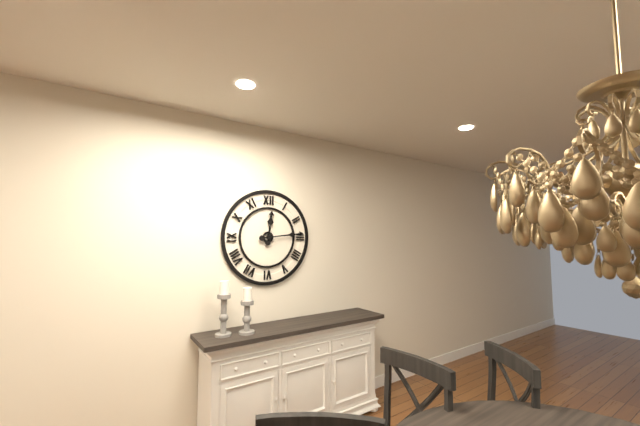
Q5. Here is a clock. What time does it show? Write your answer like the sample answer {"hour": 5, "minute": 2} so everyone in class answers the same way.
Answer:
{"hour": 12, "minute": 14}
